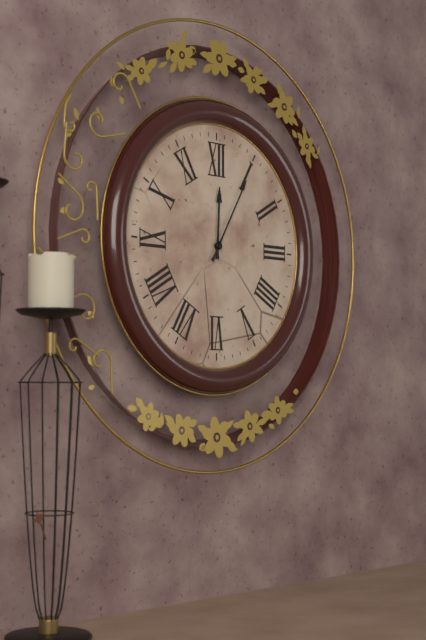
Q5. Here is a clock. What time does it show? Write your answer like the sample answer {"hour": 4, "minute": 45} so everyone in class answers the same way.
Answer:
{"hour": 12, "minute": 5}
